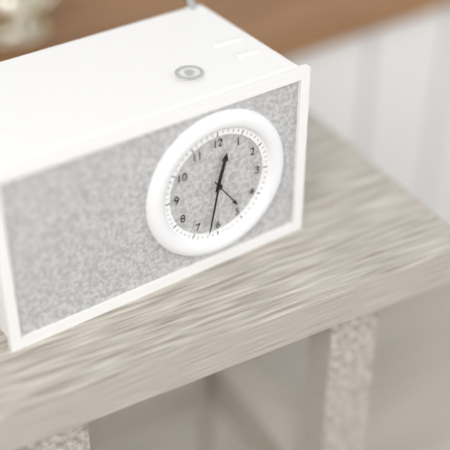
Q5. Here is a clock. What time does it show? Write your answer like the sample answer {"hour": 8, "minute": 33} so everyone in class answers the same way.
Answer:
{"hour": 12, "minute": 32}
